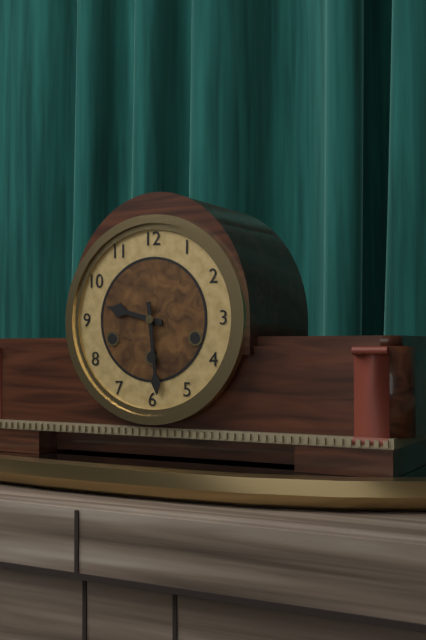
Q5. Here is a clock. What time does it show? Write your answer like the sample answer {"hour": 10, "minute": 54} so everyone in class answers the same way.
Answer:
{"hour": 9, "minute": 29}
